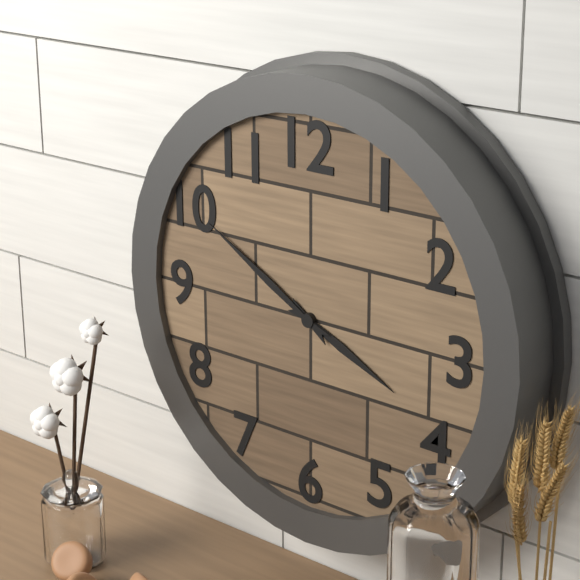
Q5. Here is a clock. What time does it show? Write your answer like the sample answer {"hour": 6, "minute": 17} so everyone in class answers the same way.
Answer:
{"hour": 3, "minute": 50}
